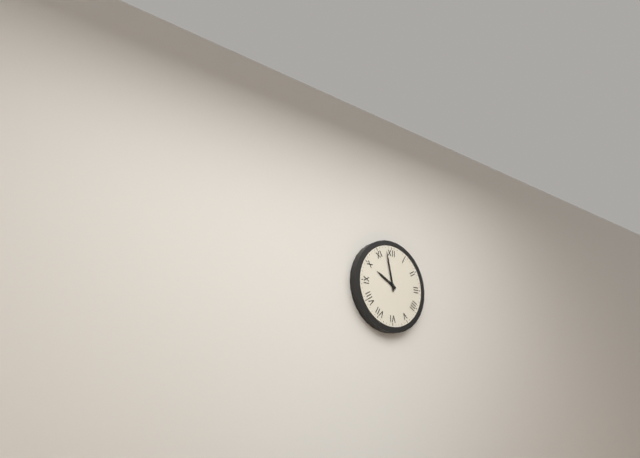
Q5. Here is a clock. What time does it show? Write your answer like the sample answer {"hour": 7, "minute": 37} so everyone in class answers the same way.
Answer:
{"hour": 9, "minute": 58}
